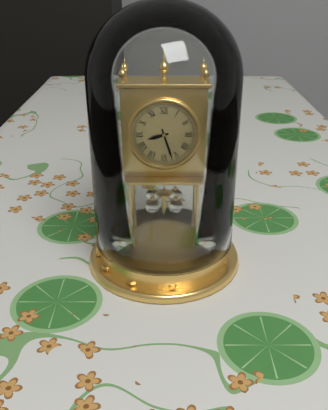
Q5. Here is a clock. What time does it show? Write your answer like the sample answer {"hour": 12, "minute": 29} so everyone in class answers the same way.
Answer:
{"hour": 8, "minute": 27}
